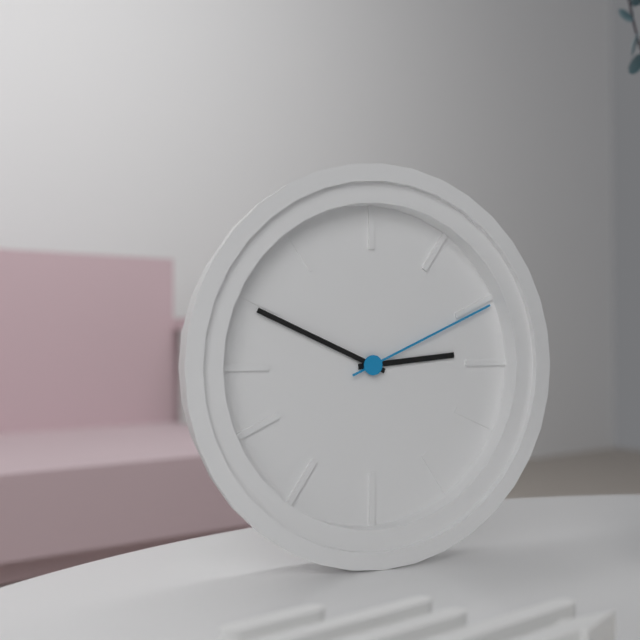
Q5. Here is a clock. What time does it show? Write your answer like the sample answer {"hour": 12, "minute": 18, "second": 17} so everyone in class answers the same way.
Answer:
{"hour": 2, "minute": 49, "second": 11}
